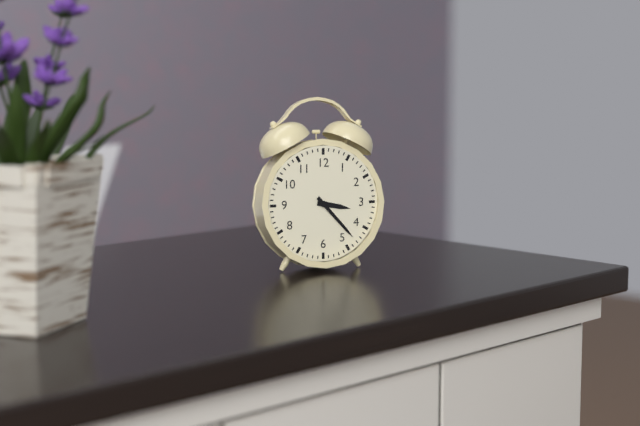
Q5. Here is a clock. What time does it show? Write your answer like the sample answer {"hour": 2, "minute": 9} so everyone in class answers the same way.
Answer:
{"hour": 3, "minute": 23}
